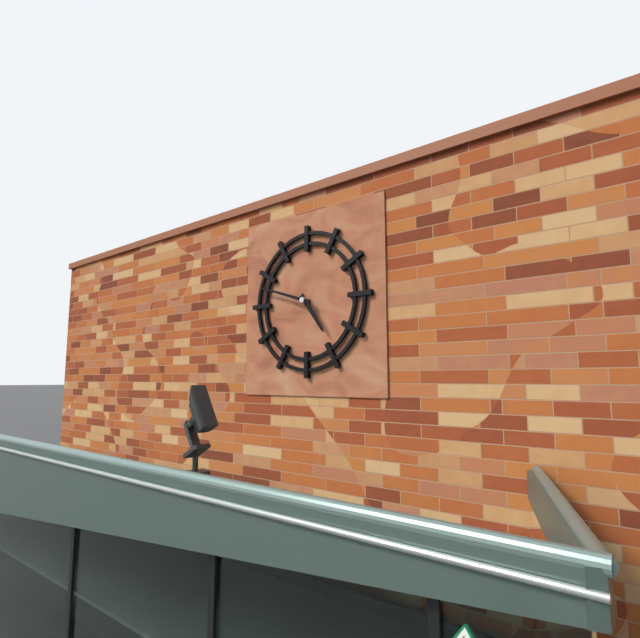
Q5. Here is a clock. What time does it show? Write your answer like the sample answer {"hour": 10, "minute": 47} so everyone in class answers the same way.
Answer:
{"hour": 4, "minute": 48}
